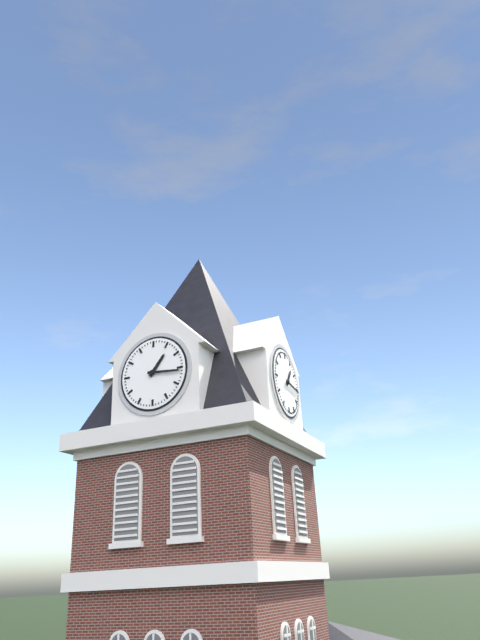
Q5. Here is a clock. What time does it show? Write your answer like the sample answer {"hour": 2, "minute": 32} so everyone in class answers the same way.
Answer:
{"hour": 1, "minute": 16}
